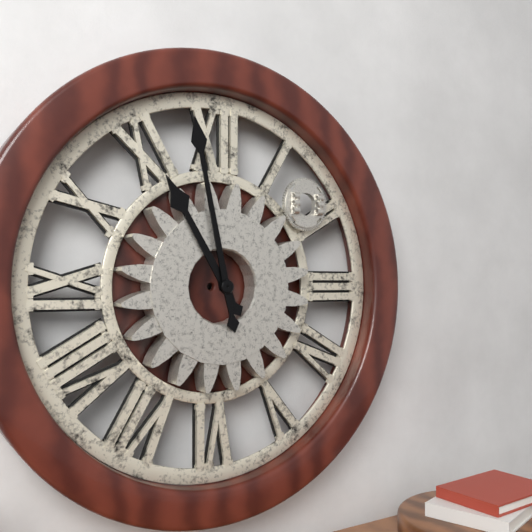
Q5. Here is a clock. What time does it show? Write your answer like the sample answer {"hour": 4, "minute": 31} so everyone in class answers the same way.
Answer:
{"hour": 10, "minute": 58}
